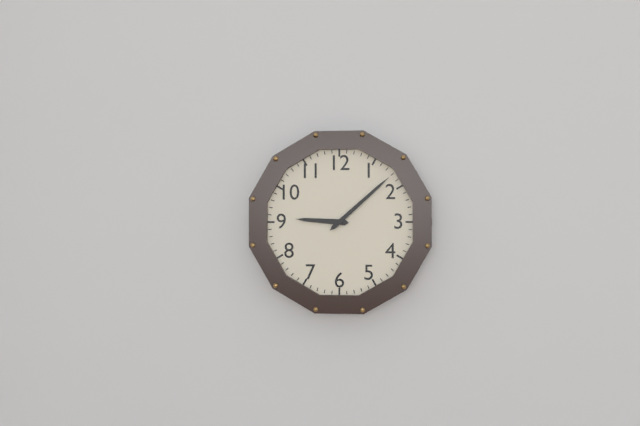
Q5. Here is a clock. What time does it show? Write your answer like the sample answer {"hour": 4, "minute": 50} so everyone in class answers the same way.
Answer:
{"hour": 9, "minute": 8}
